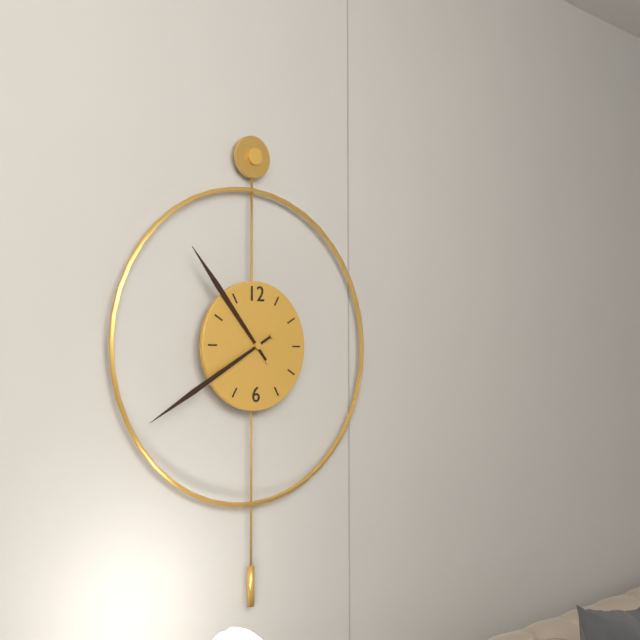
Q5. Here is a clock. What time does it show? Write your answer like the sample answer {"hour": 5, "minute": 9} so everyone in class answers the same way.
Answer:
{"hour": 10, "minute": 40}
